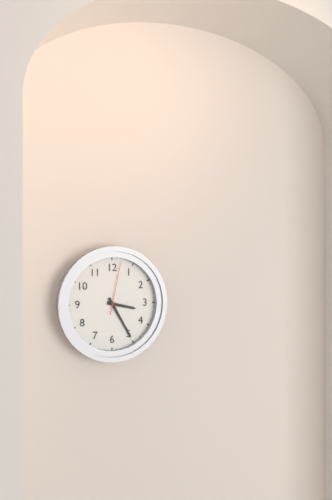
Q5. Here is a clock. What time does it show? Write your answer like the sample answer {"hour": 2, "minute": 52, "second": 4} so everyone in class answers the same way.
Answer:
{"hour": 3, "minute": 25, "second": 2}
